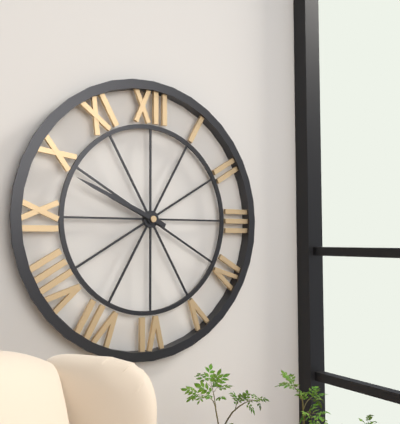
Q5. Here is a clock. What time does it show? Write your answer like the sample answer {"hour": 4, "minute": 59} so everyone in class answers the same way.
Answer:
{"hour": 9, "minute": 49}
